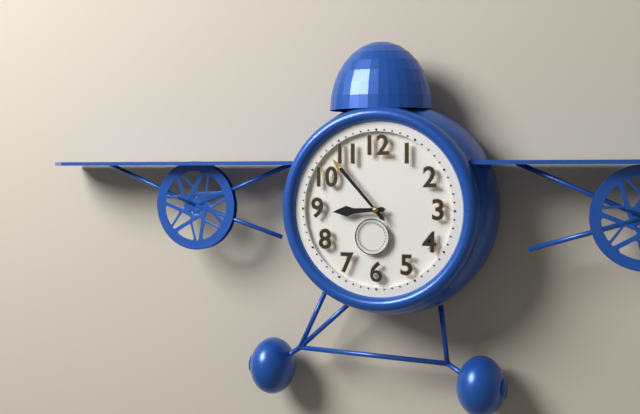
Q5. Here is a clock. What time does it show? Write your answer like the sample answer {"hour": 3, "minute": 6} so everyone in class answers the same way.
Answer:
{"hour": 8, "minute": 53}
